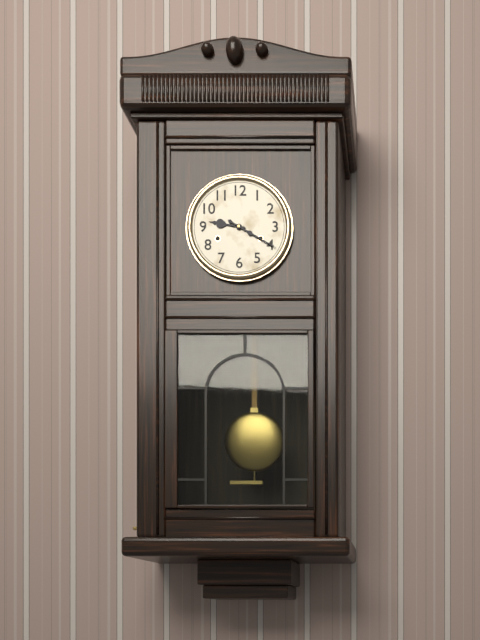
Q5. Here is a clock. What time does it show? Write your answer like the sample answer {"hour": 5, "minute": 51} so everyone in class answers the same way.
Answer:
{"hour": 9, "minute": 20}
